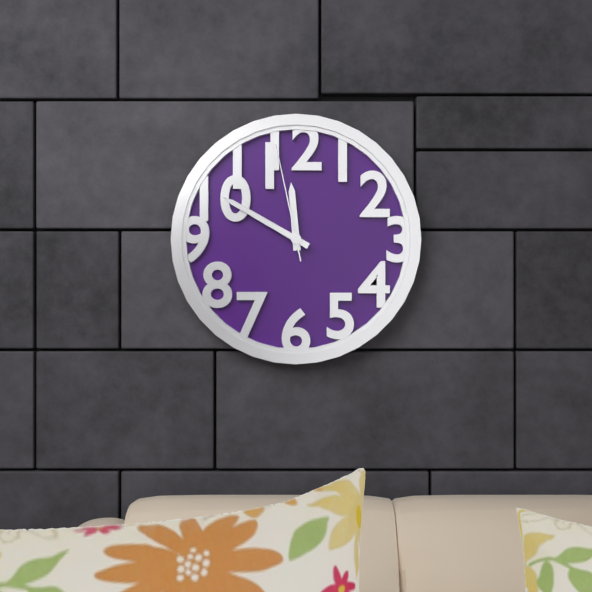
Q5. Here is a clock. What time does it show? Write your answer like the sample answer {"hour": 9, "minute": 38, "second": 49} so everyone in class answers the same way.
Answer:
{"hour": 11, "minute": 50, "second": 58}
